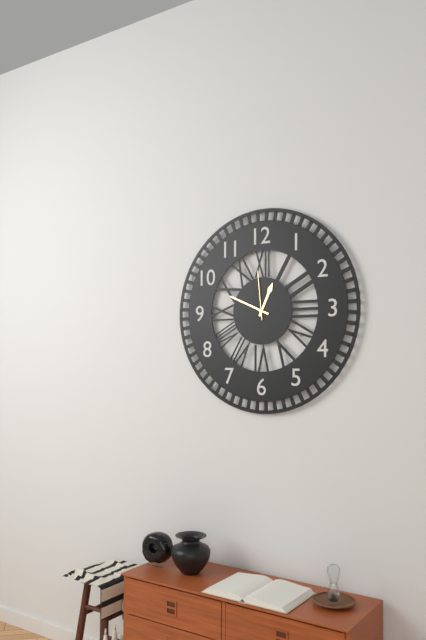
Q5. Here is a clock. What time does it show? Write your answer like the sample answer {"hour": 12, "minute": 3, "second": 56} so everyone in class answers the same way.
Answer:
{"hour": 12, "minute": 49, "second": 59}
